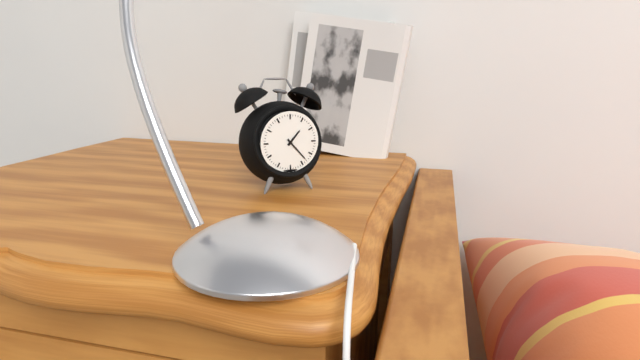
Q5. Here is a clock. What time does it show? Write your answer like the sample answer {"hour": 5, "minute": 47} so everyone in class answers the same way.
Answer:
{"hour": 1, "minute": 23}
